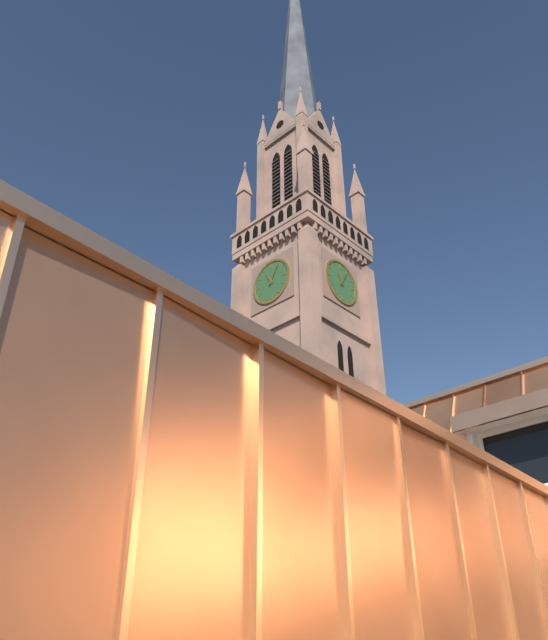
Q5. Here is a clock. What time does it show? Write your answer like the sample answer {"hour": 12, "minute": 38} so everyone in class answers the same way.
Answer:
{"hour": 11, "minute": 5}
